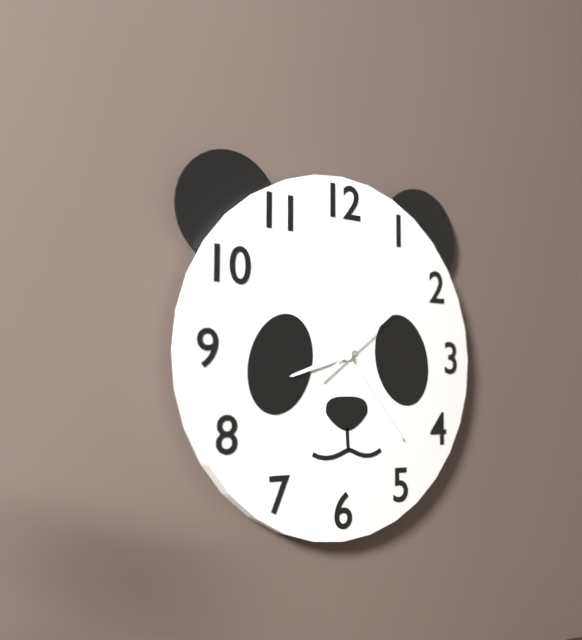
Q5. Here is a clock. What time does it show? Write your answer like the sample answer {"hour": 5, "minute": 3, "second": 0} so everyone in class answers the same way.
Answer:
{"hour": 8, "minute": 23, "second": 9}
